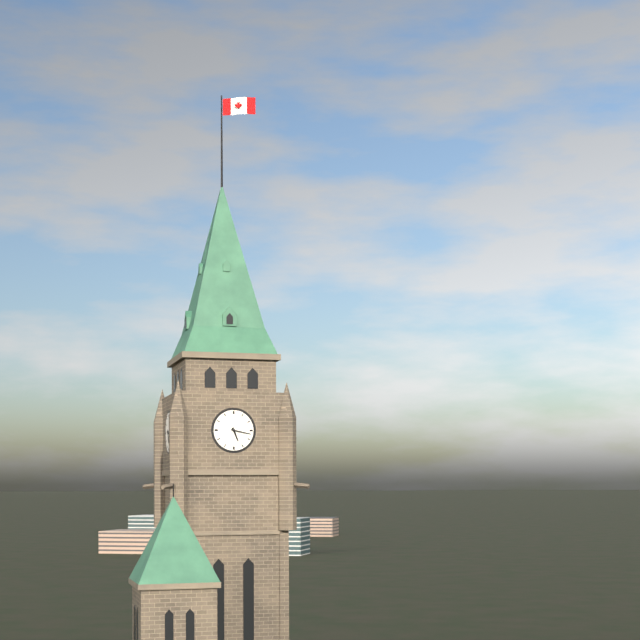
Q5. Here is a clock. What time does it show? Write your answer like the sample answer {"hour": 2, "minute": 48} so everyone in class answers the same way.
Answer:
{"hour": 5, "minute": 17}
